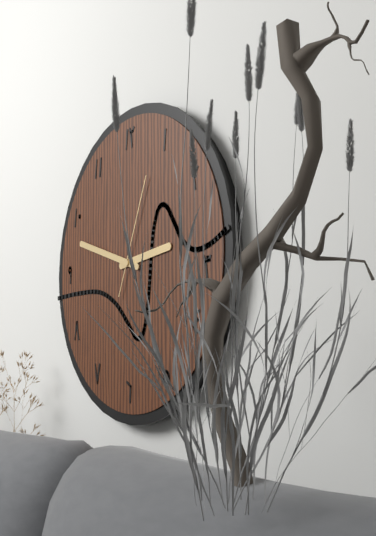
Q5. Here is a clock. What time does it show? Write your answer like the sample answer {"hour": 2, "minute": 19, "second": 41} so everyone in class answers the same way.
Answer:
{"hour": 2, "minute": 48, "second": 4}
